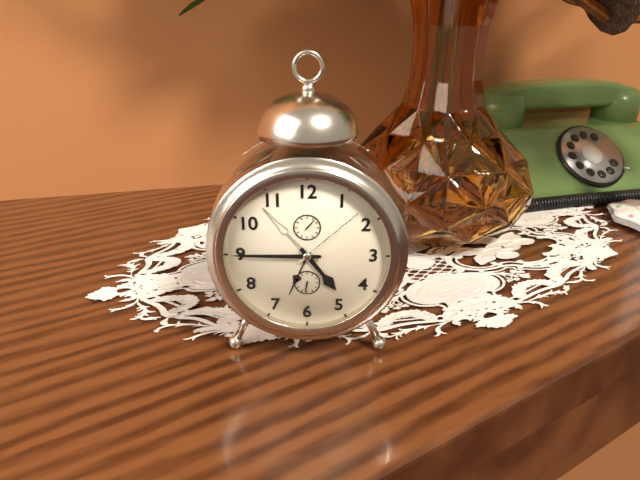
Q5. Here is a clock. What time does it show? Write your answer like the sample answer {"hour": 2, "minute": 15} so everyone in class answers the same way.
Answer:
{"hour": 4, "minute": 45}
